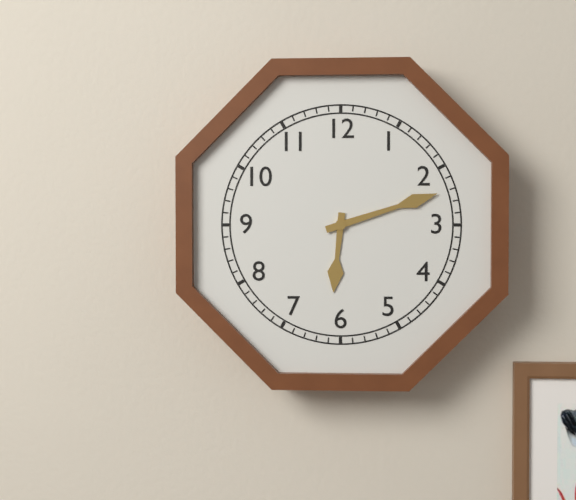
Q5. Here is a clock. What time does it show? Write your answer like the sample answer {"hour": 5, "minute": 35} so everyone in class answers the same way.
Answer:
{"hour": 6, "minute": 12}
